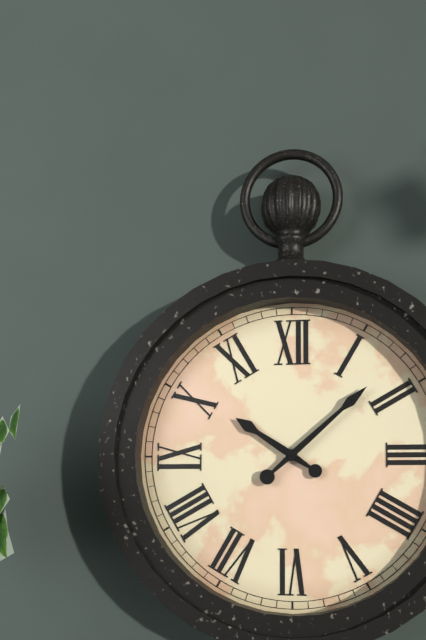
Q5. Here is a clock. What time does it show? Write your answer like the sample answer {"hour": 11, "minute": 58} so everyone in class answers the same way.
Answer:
{"hour": 10, "minute": 8}
